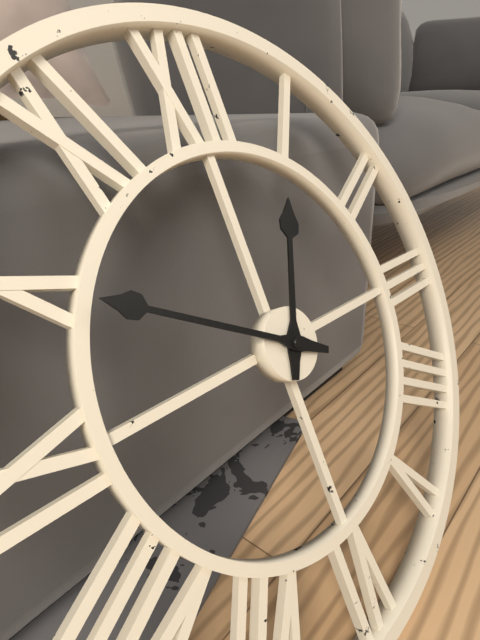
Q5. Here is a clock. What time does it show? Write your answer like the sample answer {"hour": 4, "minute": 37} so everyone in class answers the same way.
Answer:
{"hour": 12, "minute": 50}
